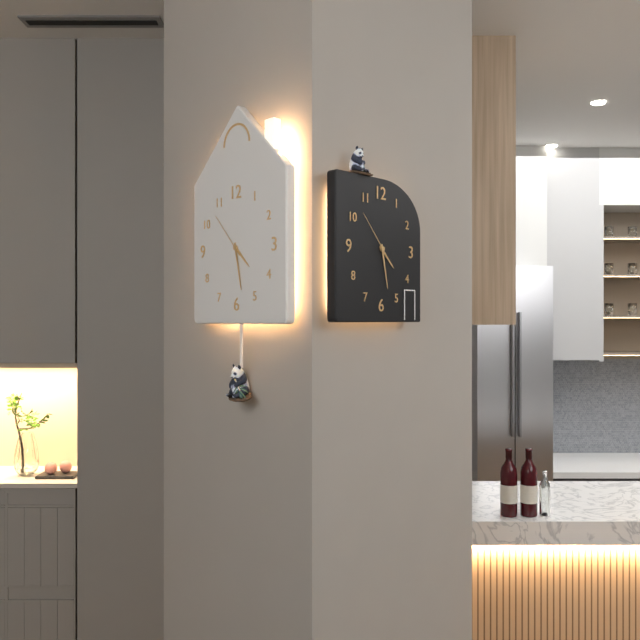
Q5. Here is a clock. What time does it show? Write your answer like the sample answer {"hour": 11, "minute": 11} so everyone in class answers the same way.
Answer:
{"hour": 4, "minute": 28}
